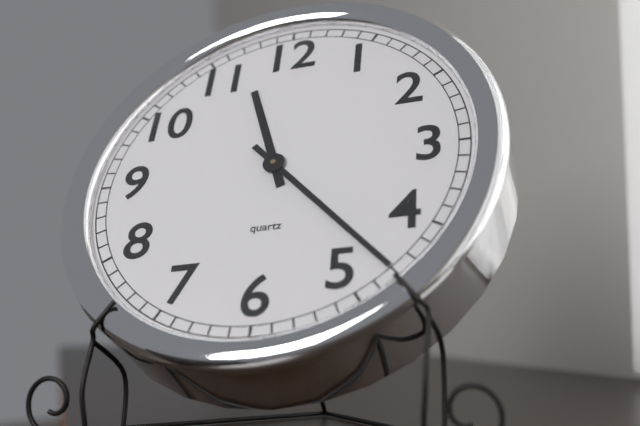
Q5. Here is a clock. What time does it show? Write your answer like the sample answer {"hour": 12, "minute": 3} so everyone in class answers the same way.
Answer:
{"hour": 11, "minute": 23}
